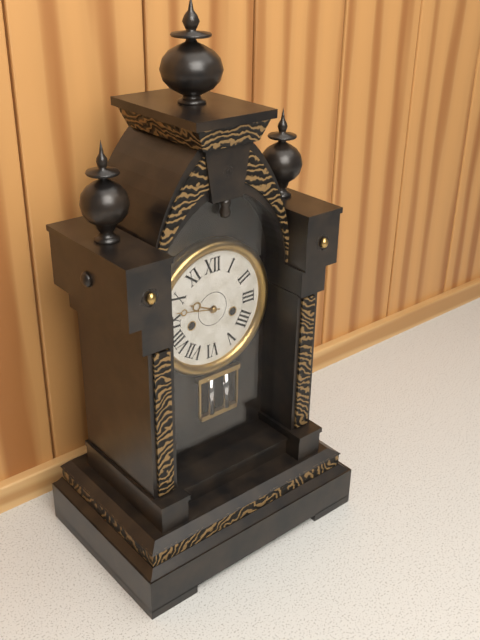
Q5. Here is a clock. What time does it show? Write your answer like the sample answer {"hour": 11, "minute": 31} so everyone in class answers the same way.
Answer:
{"hour": 9, "minute": 47}
